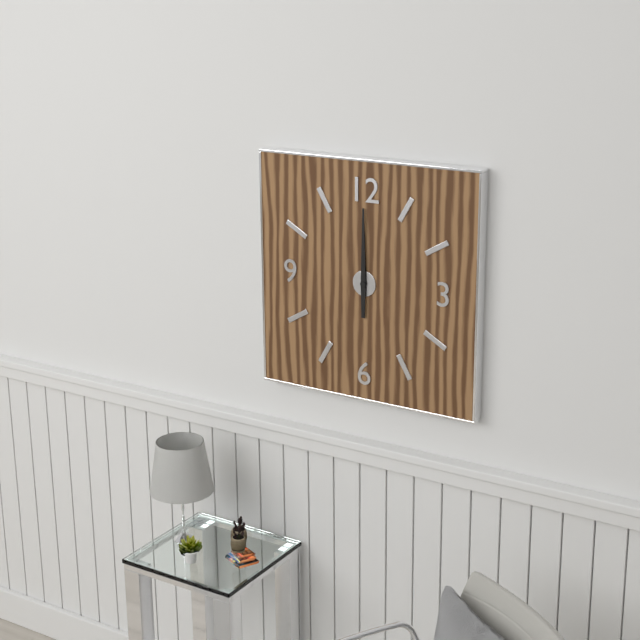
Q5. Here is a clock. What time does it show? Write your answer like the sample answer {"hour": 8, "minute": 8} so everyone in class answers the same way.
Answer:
{"hour": 12, "minute": 0}
